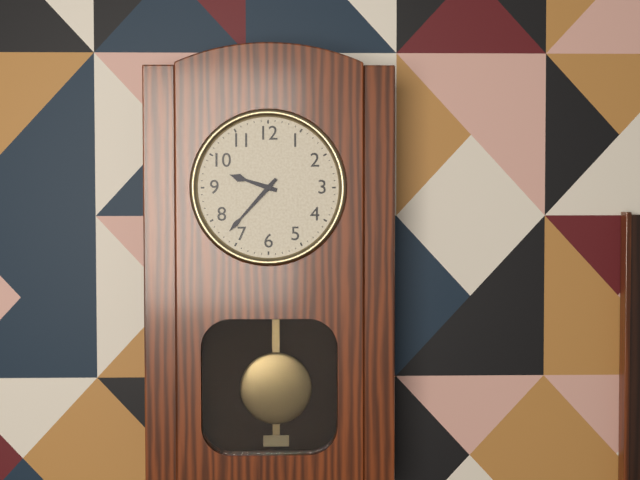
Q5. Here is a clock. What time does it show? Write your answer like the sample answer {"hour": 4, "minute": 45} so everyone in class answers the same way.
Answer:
{"hour": 9, "minute": 37}
